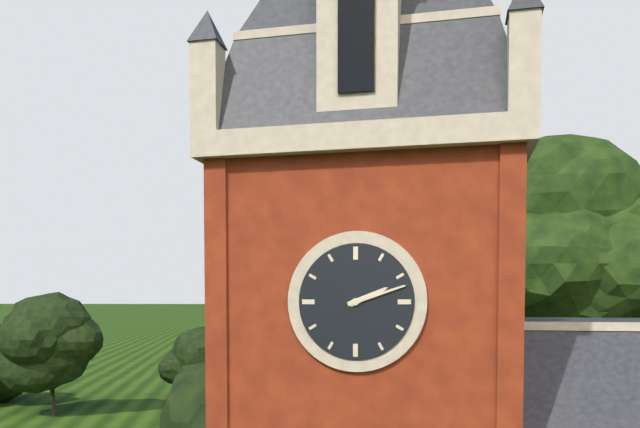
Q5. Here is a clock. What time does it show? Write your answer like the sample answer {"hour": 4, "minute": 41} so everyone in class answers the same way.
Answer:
{"hour": 2, "minute": 12}
